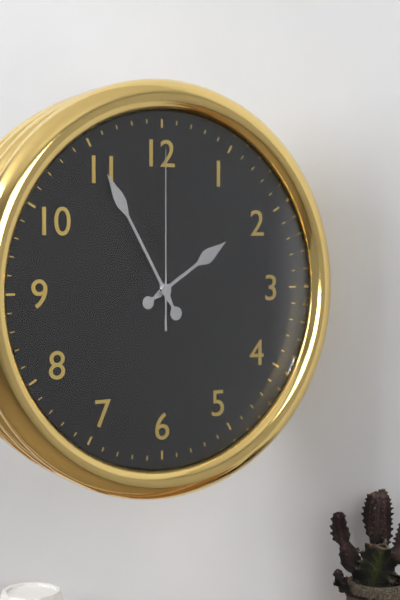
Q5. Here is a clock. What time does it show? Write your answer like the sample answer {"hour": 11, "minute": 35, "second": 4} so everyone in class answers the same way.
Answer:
{"hour": 1, "minute": 55, "second": 0}
